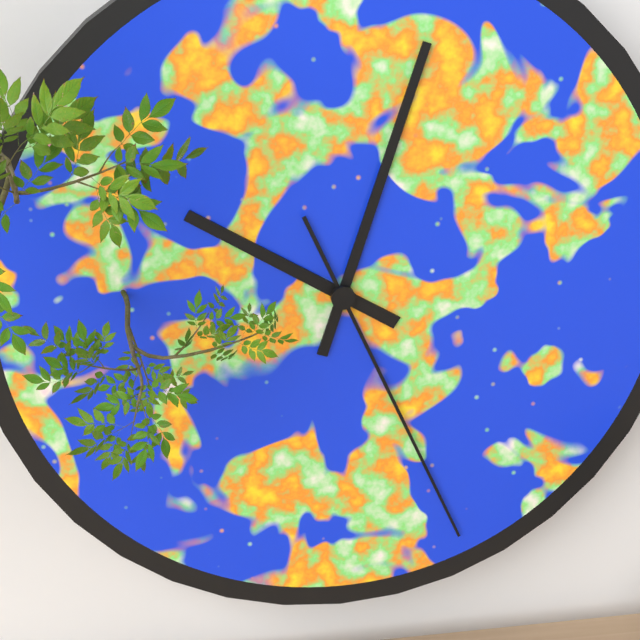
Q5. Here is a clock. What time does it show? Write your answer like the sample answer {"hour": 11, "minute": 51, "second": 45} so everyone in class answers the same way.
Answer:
{"hour": 10, "minute": 3, "second": 26}
